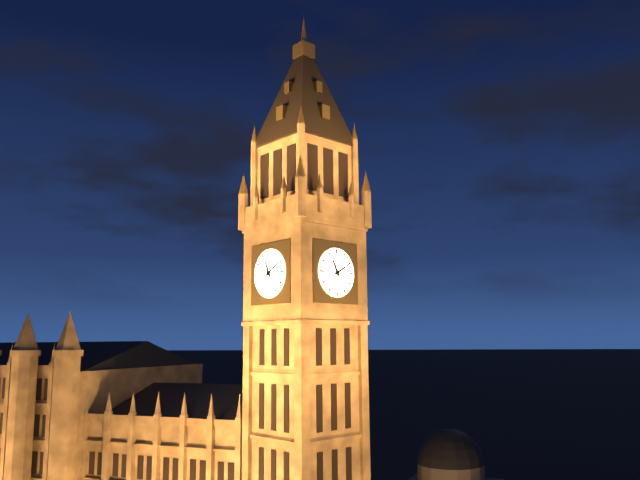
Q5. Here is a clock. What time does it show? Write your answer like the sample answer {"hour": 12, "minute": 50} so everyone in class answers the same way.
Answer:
{"hour": 11, "minute": 10}
